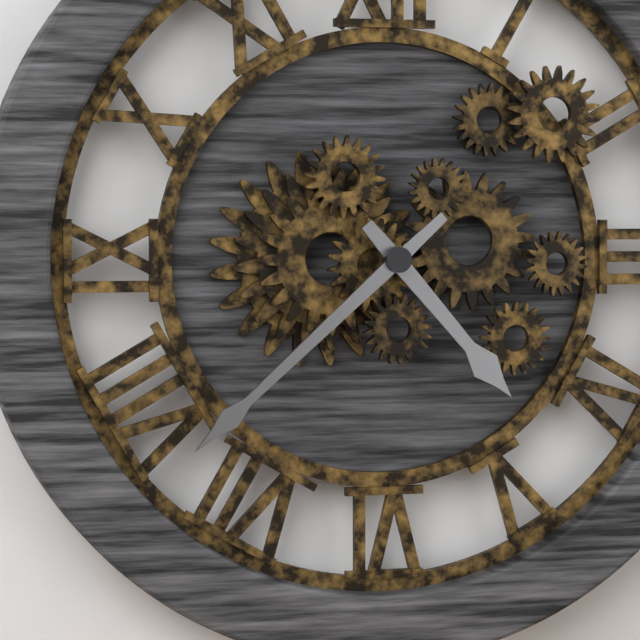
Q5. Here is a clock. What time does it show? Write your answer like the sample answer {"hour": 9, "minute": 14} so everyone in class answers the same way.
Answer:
{"hour": 4, "minute": 38}
